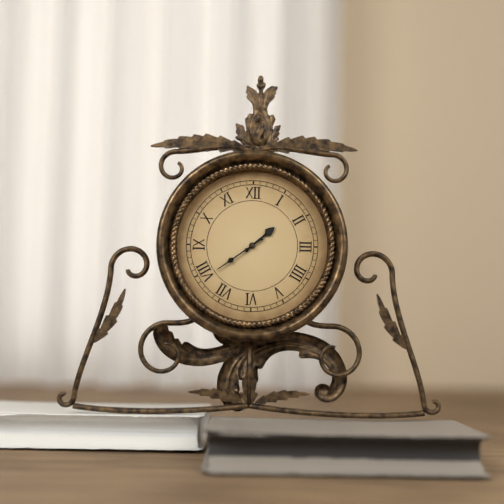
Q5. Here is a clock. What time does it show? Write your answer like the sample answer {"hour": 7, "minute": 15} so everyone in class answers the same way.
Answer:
{"hour": 1, "minute": 39}
